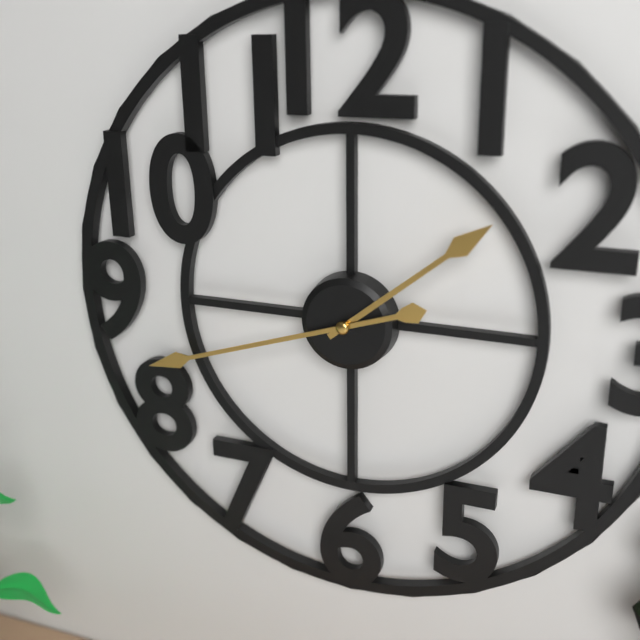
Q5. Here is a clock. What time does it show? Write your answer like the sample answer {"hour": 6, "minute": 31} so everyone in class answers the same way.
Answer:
{"hour": 1, "minute": 42}
